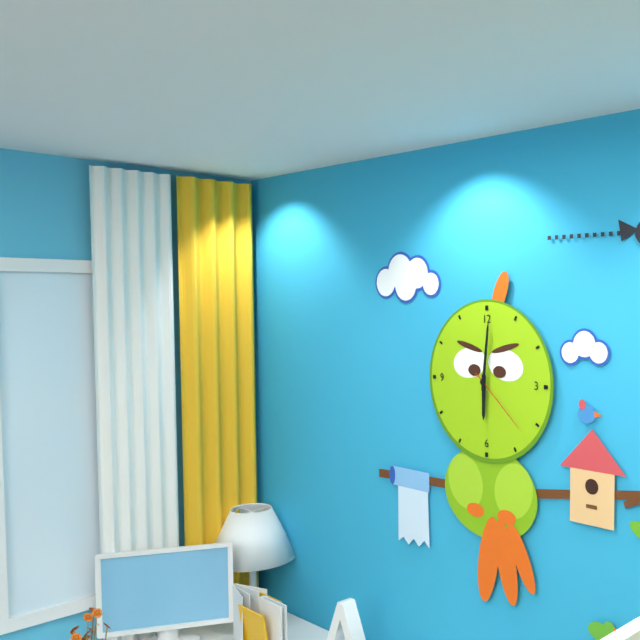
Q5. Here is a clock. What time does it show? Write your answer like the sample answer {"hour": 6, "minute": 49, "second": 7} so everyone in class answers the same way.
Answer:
{"hour": 6, "minute": 1, "second": 22}
